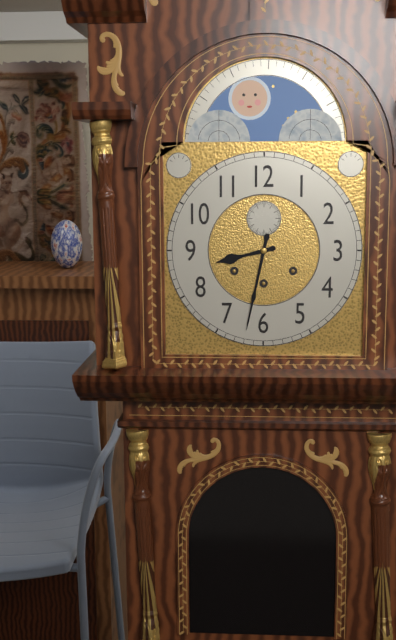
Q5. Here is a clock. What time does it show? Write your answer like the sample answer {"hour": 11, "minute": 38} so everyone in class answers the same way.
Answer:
{"hour": 8, "minute": 32}
